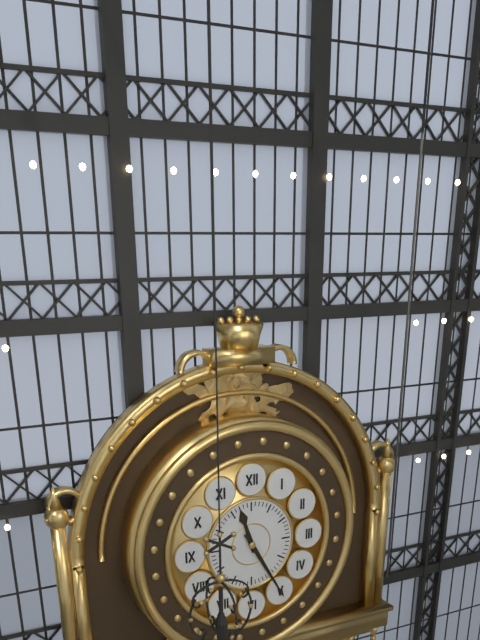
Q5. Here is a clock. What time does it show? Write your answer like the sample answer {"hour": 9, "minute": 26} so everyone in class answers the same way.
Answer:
{"hour": 11, "minute": 25}
